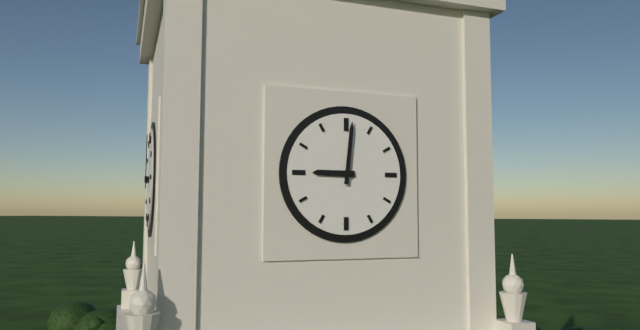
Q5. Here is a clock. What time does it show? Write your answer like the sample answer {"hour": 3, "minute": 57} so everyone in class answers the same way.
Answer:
{"hour": 9, "minute": 1}
